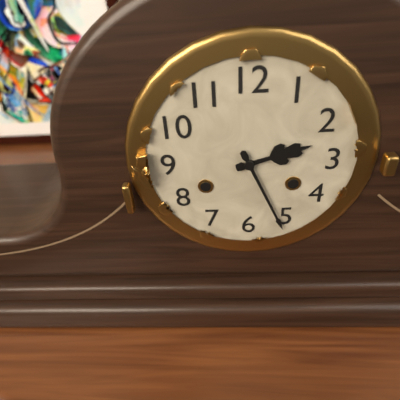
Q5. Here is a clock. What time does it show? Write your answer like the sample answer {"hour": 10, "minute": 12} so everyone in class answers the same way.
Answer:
{"hour": 2, "minute": 26}
